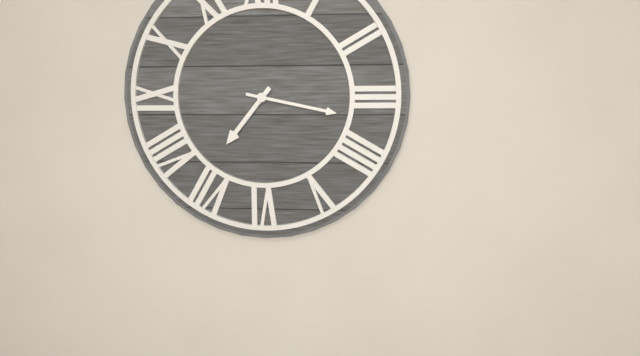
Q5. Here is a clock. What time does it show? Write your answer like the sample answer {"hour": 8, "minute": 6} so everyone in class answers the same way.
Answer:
{"hour": 7, "minute": 17}
